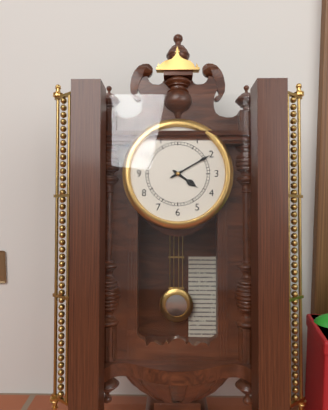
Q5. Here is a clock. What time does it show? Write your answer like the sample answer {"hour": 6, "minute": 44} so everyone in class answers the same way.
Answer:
{"hour": 4, "minute": 10}
